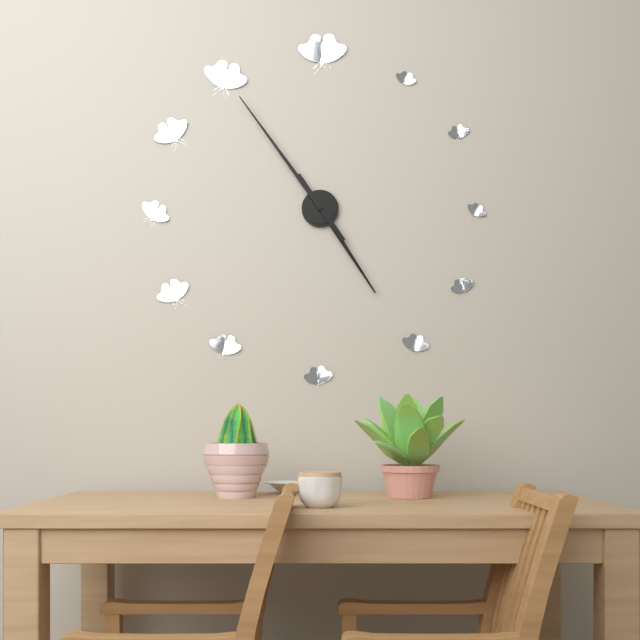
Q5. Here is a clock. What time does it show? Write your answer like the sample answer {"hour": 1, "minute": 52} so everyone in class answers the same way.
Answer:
{"hour": 4, "minute": 54}
